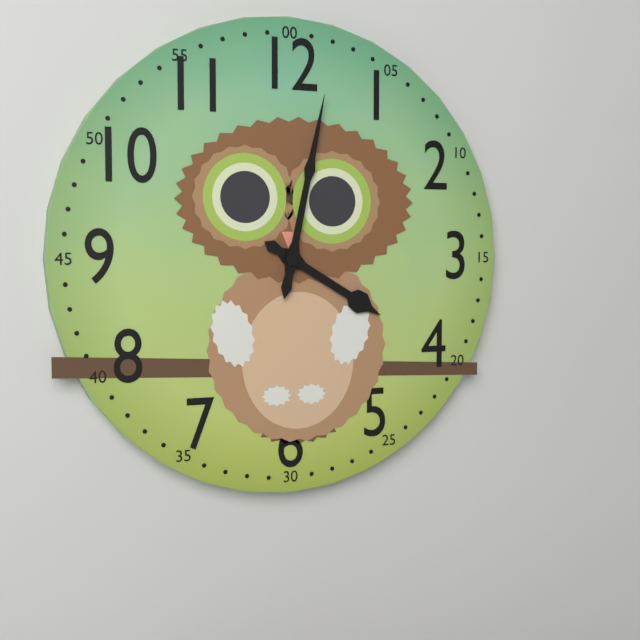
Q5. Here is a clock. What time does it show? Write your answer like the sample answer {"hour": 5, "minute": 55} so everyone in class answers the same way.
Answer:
{"hour": 4, "minute": 2}
